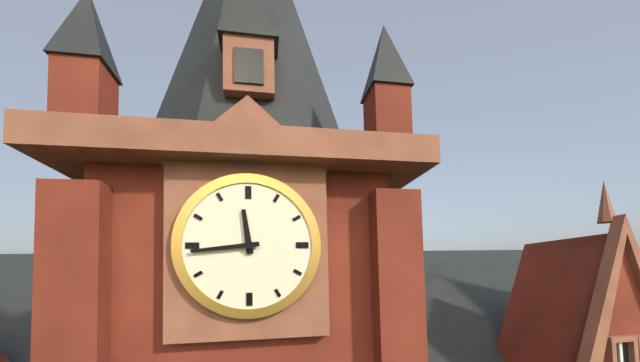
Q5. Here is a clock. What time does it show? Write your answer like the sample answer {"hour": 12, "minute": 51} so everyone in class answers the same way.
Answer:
{"hour": 11, "minute": 44}
